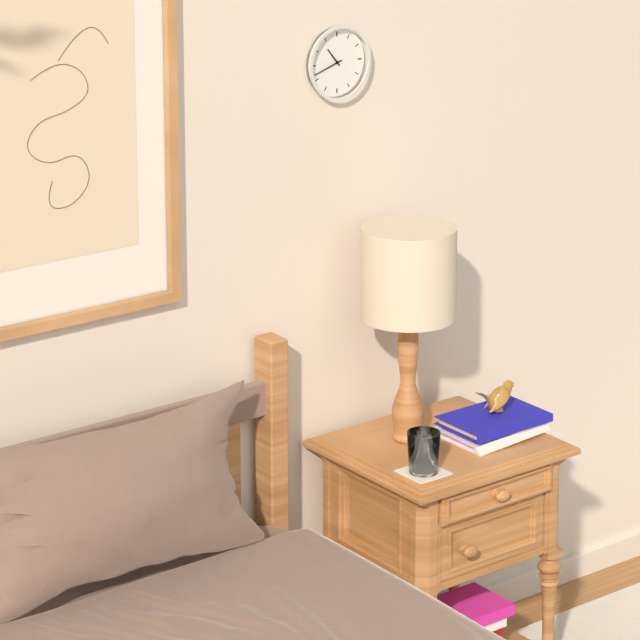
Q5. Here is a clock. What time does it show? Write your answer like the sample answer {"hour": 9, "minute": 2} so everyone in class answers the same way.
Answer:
{"hour": 10, "minute": 42}
